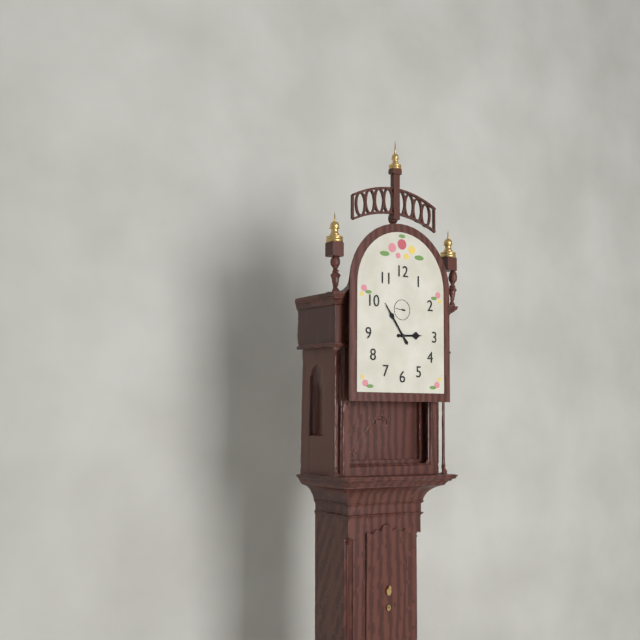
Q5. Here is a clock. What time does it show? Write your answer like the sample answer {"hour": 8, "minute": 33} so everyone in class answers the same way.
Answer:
{"hour": 2, "minute": 54}
